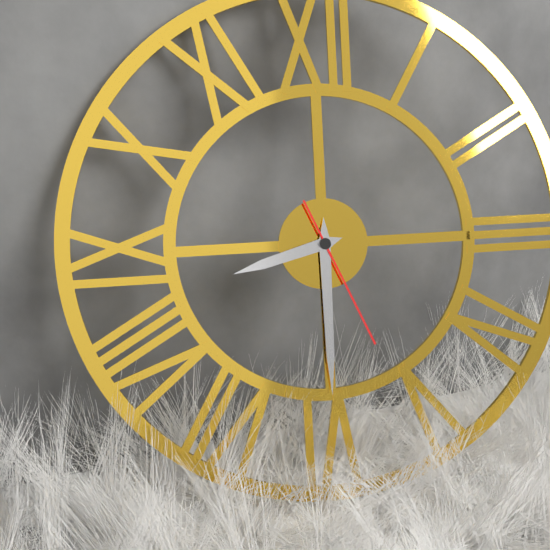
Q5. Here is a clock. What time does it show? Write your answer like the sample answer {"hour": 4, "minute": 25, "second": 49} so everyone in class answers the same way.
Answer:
{"hour": 8, "minute": 30, "second": 26}
